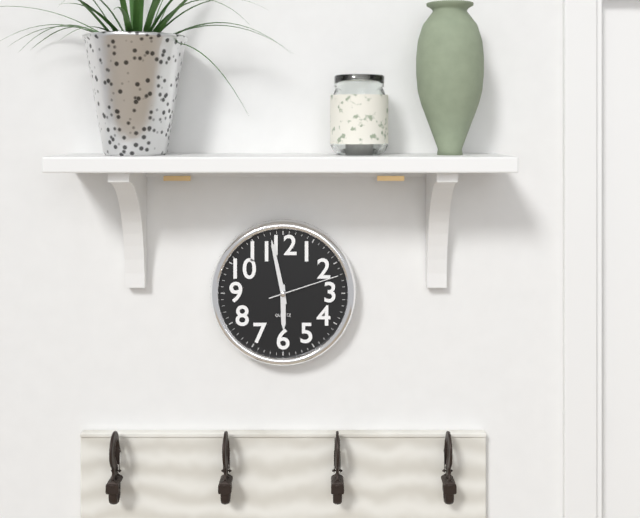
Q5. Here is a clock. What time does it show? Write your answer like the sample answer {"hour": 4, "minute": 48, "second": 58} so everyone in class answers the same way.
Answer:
{"hour": 5, "minute": 58, "second": 12}
